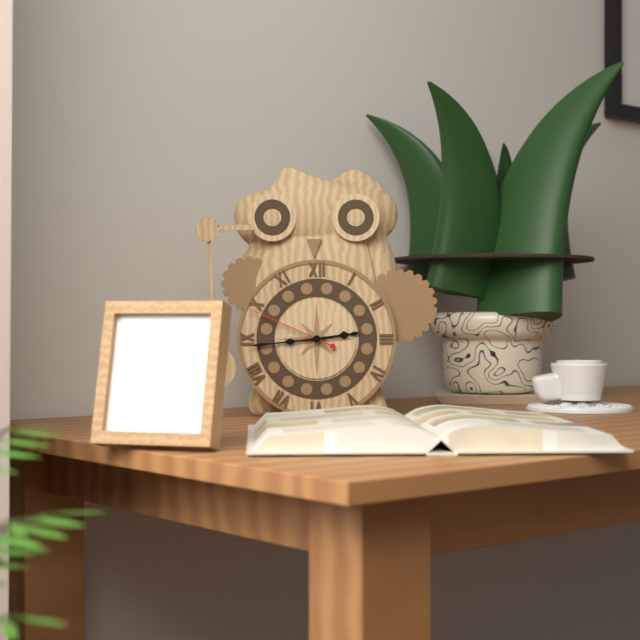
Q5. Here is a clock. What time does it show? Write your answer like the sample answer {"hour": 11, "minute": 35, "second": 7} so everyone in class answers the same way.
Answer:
{"hour": 2, "minute": 44, "second": 49}
